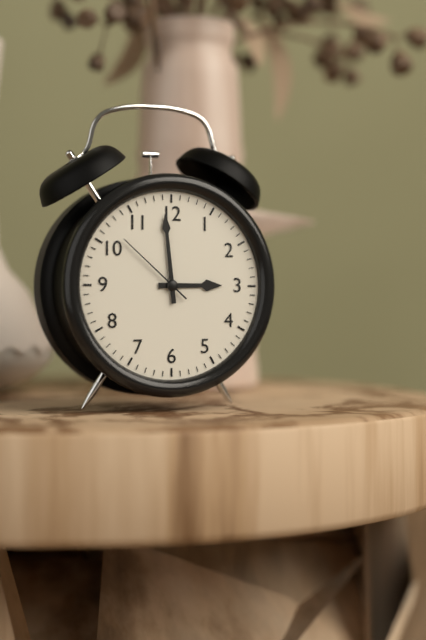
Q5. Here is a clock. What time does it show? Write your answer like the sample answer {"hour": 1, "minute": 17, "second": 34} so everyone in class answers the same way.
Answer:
{"hour": 2, "minute": 59, "second": 52}
